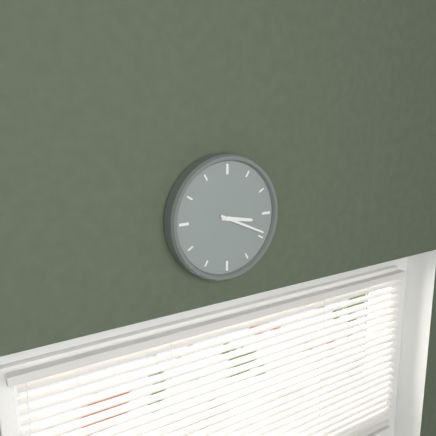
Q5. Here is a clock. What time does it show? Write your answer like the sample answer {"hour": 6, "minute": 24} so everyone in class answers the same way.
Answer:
{"hour": 3, "minute": 19}
